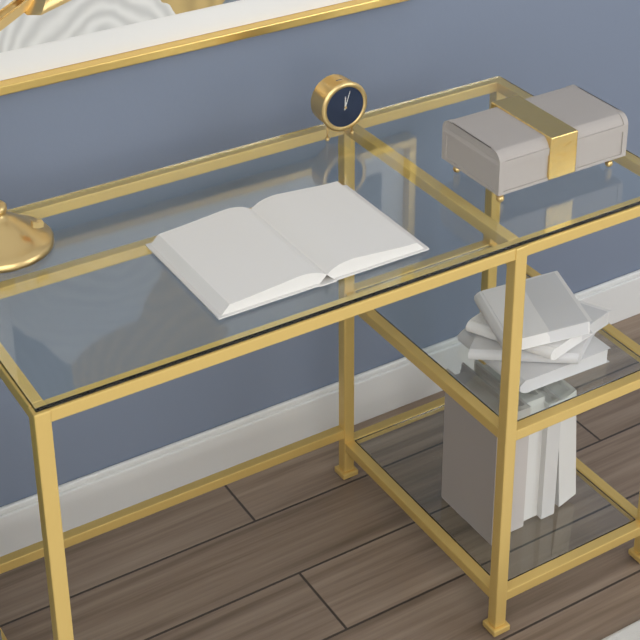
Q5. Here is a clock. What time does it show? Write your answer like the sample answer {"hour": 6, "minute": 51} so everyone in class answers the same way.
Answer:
{"hour": 12, "minute": 3}
